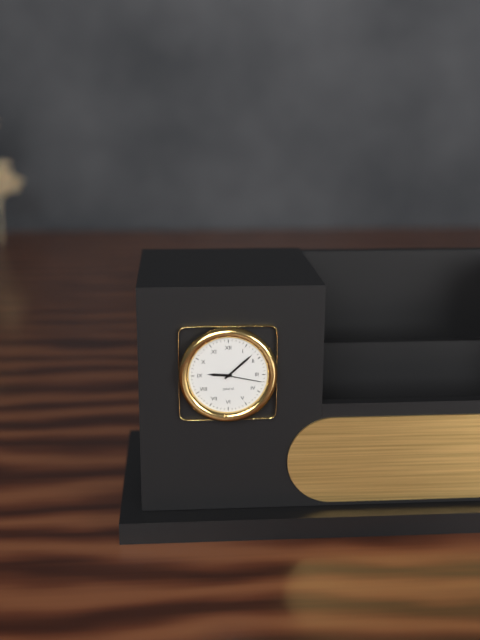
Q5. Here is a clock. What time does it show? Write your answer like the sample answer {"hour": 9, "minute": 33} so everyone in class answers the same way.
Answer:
{"hour": 9, "minute": 8}
